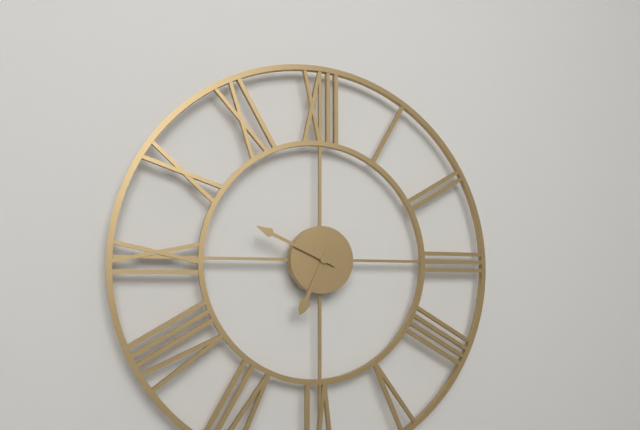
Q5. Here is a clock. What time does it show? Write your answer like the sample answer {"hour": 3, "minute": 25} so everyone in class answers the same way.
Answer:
{"hour": 6, "minute": 49}
